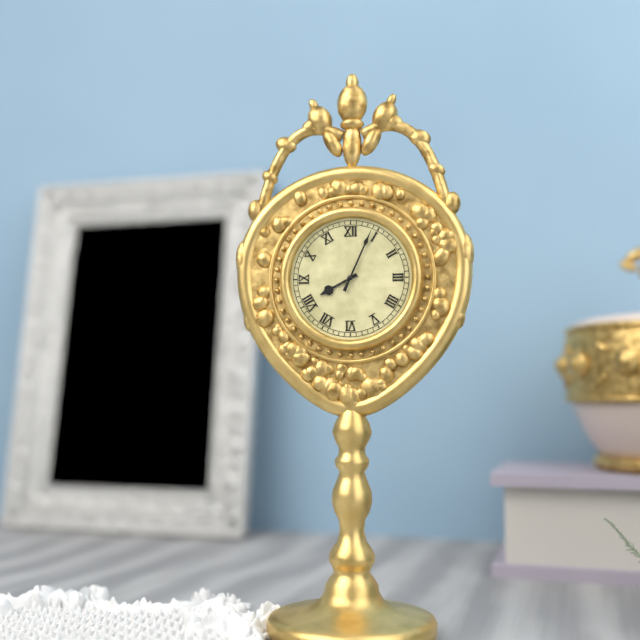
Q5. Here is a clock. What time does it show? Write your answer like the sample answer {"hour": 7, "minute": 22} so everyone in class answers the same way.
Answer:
{"hour": 8, "minute": 4}
